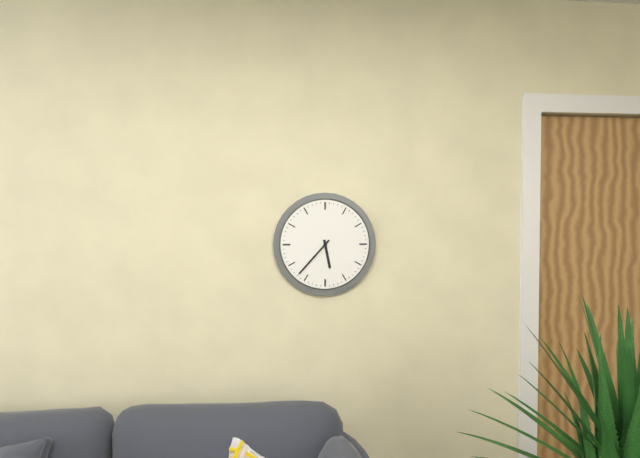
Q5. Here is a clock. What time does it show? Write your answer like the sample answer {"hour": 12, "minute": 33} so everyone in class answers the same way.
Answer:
{"hour": 5, "minute": 37}
